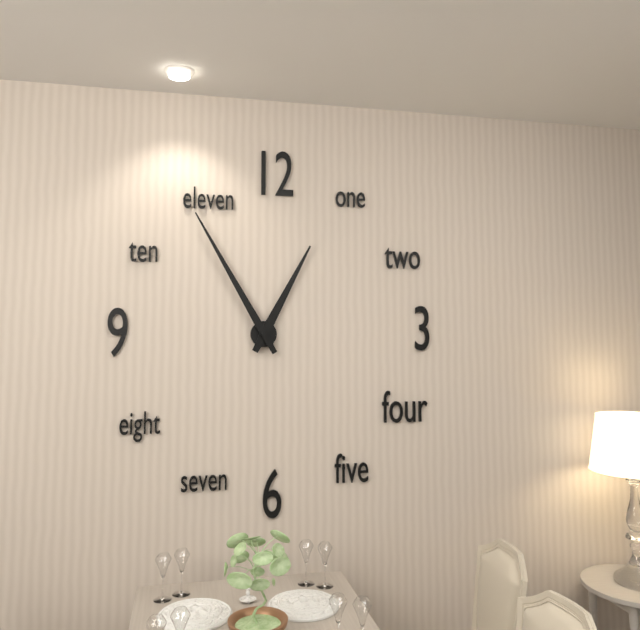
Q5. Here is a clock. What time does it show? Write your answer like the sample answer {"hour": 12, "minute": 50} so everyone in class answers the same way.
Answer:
{"hour": 12, "minute": 55}
